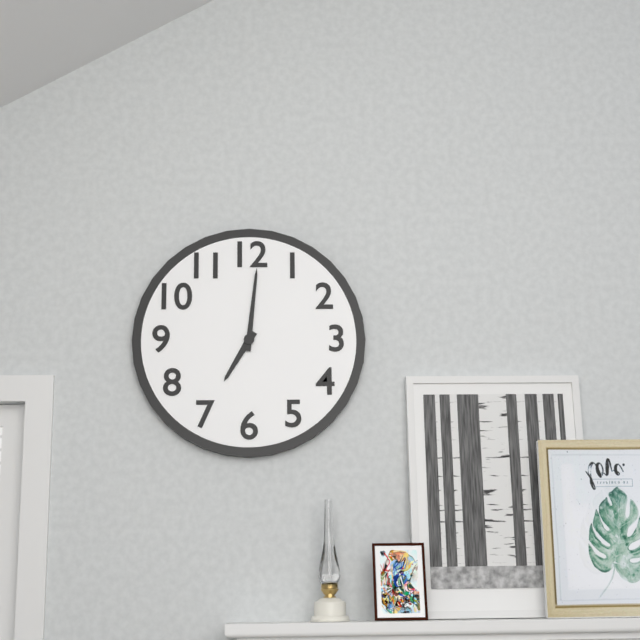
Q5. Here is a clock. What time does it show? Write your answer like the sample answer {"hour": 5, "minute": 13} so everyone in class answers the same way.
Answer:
{"hour": 7, "minute": 1}
